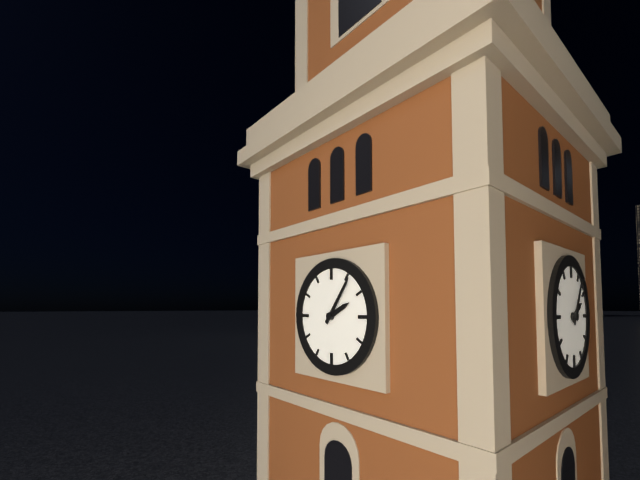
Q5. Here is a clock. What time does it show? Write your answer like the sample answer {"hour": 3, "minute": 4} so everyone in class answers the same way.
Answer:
{"hour": 2, "minute": 6}
